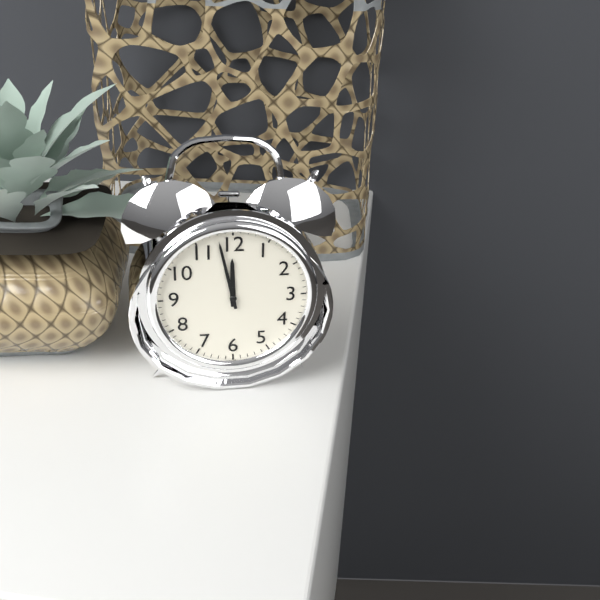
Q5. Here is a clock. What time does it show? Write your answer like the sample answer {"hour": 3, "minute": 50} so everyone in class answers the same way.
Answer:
{"hour": 11, "minute": 58}
